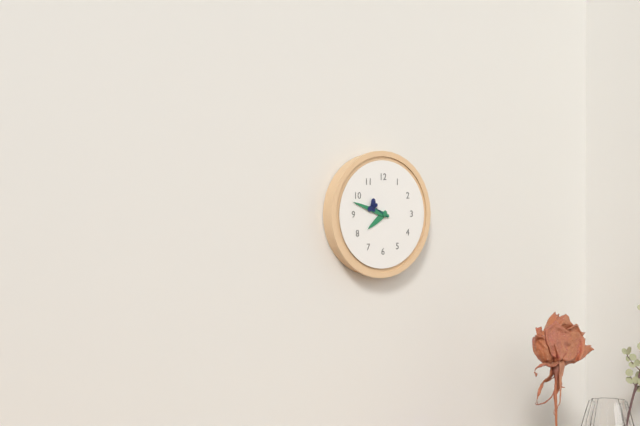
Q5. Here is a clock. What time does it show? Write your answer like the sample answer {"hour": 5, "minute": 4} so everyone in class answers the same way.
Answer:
{"hour": 7, "minute": 48}
